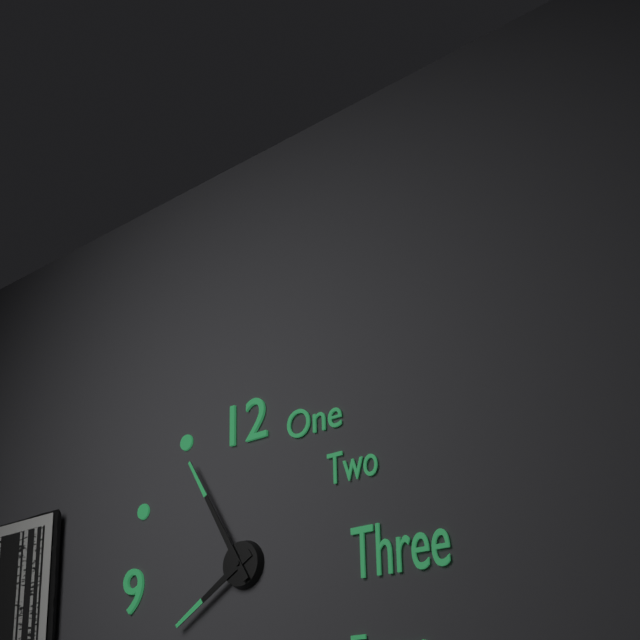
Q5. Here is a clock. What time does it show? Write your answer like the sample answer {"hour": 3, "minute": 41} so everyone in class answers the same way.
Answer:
{"hour": 7, "minute": 55}
